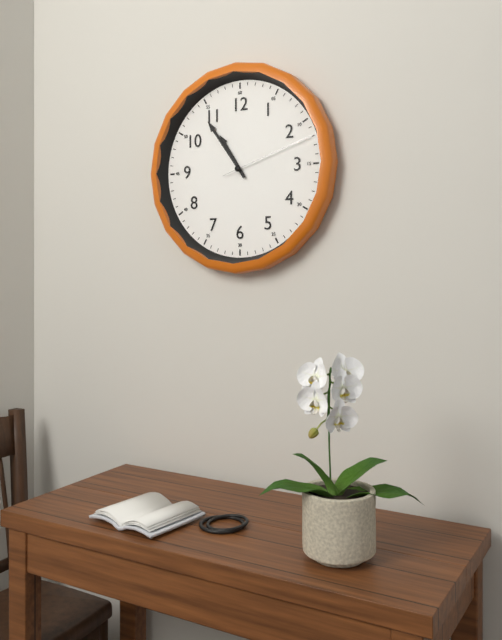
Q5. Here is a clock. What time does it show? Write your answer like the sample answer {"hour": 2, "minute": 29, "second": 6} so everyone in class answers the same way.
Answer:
{"hour": 10, "minute": 54, "second": 12}
